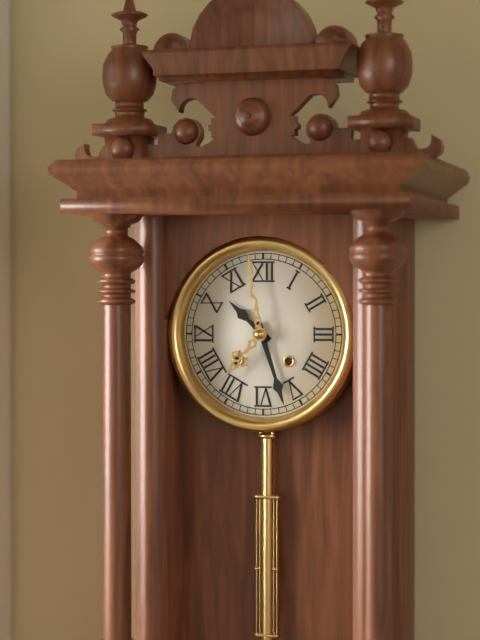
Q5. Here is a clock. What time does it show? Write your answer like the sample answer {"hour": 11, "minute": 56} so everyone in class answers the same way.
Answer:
{"hour": 10, "minute": 27}
